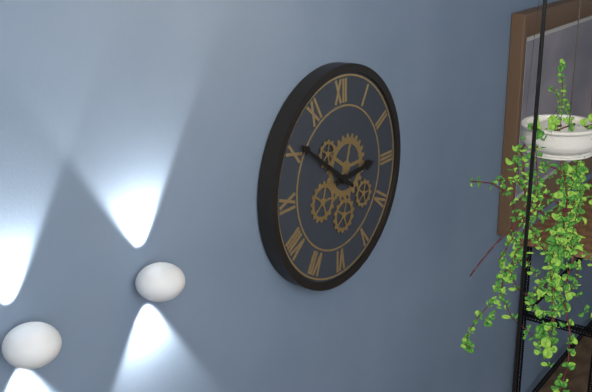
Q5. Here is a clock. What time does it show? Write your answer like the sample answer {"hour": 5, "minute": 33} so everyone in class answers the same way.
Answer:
{"hour": 2, "minute": 51}
